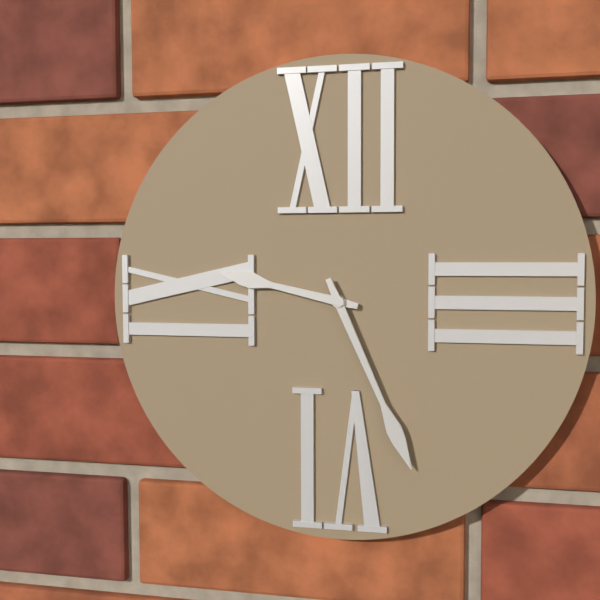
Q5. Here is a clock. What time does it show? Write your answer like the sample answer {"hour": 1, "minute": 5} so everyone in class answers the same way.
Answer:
{"hour": 9, "minute": 26}
